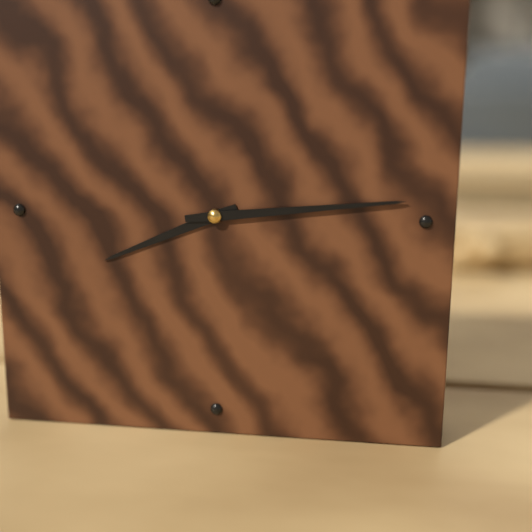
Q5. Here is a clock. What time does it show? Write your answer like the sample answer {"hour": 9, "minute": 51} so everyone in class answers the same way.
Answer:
{"hour": 8, "minute": 14}
